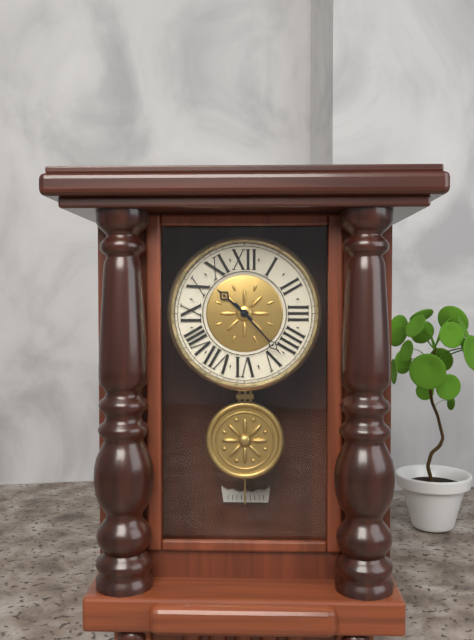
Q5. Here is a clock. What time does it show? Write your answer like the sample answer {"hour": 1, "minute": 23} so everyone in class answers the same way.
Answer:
{"hour": 10, "minute": 23}
